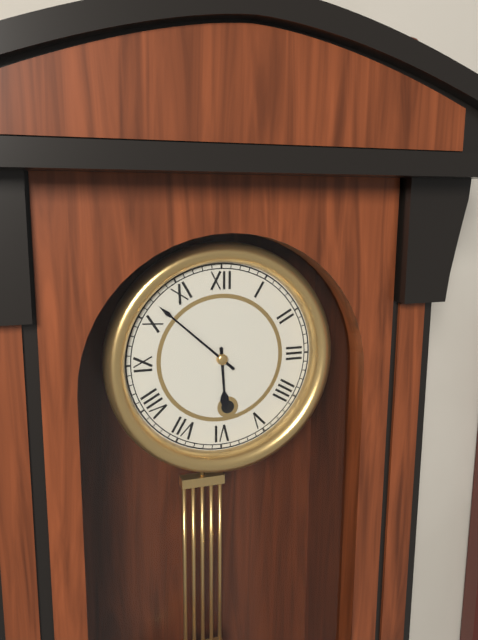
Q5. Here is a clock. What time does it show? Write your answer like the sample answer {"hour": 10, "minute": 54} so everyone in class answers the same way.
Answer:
{"hour": 5, "minute": 52}
